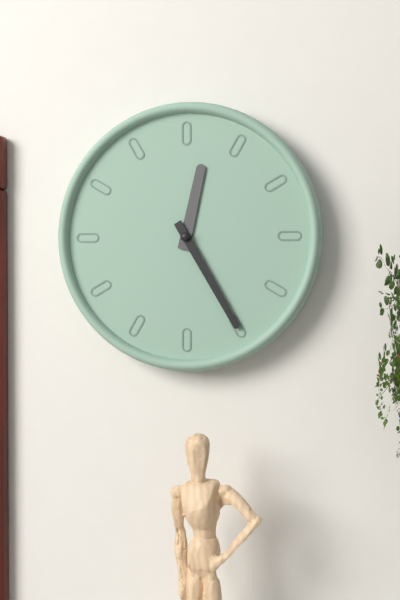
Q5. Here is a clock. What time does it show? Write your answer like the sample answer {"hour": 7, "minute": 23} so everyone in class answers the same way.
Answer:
{"hour": 12, "minute": 25}
